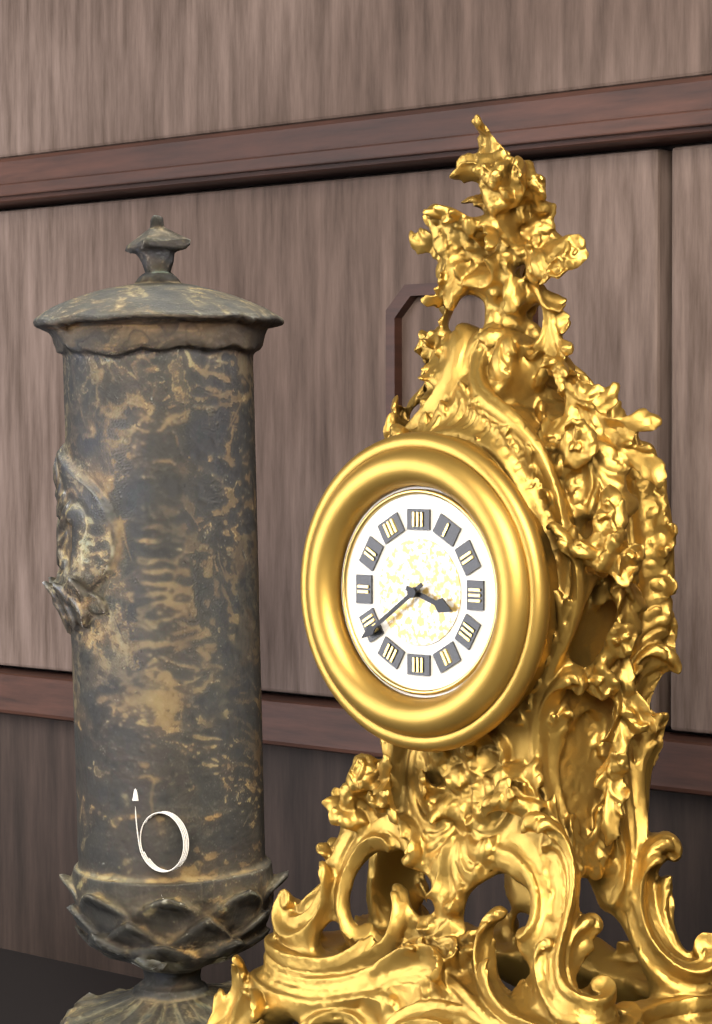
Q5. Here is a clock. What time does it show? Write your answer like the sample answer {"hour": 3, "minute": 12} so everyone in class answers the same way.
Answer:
{"hour": 3, "minute": 39}
